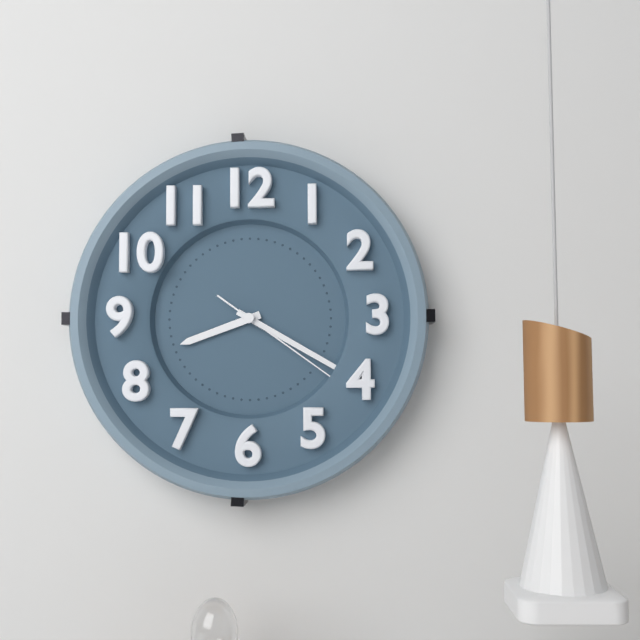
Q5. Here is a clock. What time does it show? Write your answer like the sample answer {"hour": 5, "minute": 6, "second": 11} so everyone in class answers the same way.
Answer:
{"hour": 8, "minute": 20, "second": 21}
